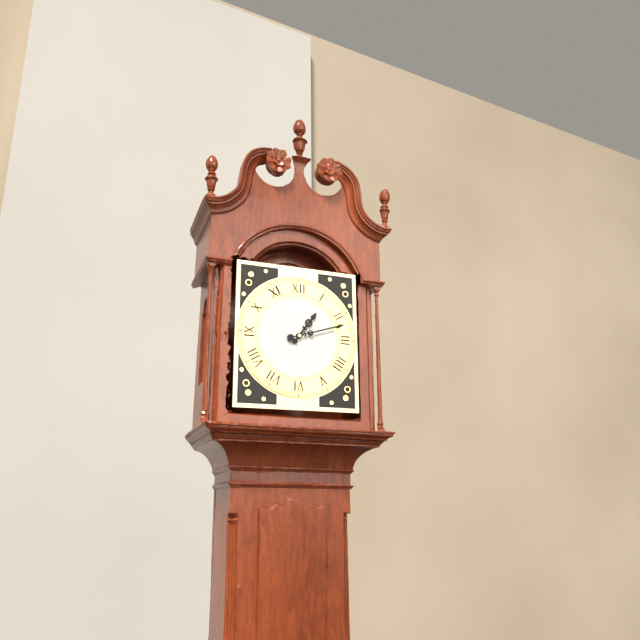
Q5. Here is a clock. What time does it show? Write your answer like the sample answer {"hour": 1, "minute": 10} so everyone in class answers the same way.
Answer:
{"hour": 1, "minute": 12}
